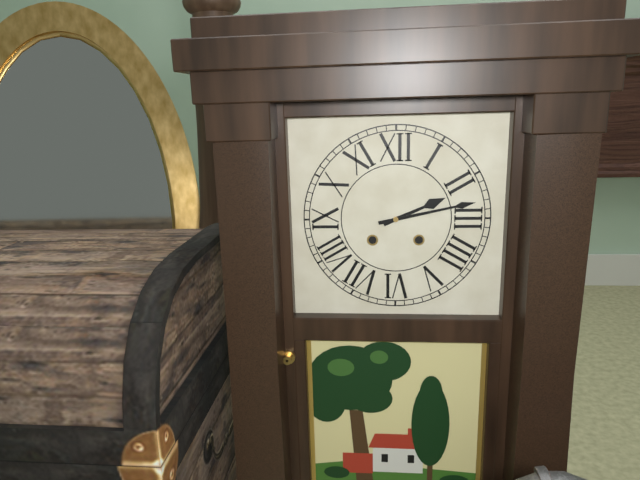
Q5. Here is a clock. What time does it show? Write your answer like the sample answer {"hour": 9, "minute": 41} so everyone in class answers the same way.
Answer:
{"hour": 2, "minute": 13}
